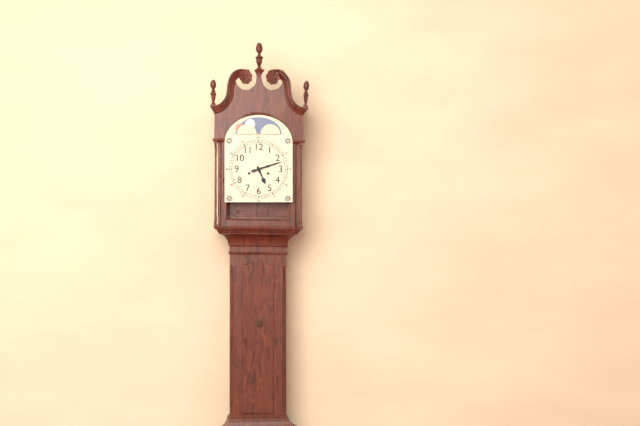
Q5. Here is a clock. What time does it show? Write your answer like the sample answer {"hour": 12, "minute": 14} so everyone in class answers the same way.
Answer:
{"hour": 5, "minute": 12}
